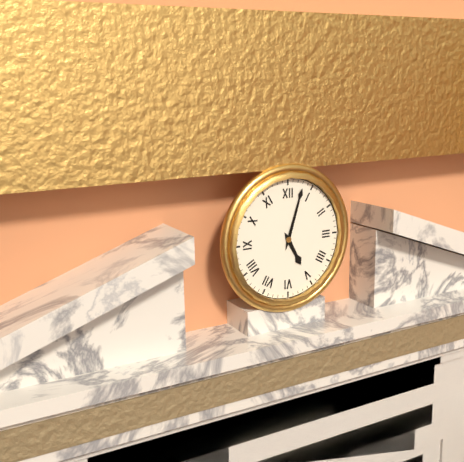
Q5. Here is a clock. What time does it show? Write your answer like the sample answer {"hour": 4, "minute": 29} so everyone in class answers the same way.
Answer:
{"hour": 5, "minute": 3}
